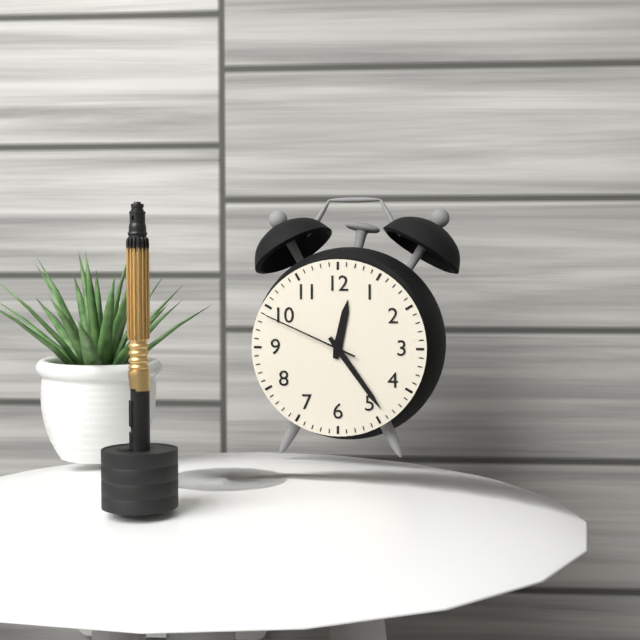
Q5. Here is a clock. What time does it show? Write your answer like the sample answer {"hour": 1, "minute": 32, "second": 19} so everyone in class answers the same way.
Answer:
{"hour": 12, "minute": 24, "second": 49}
